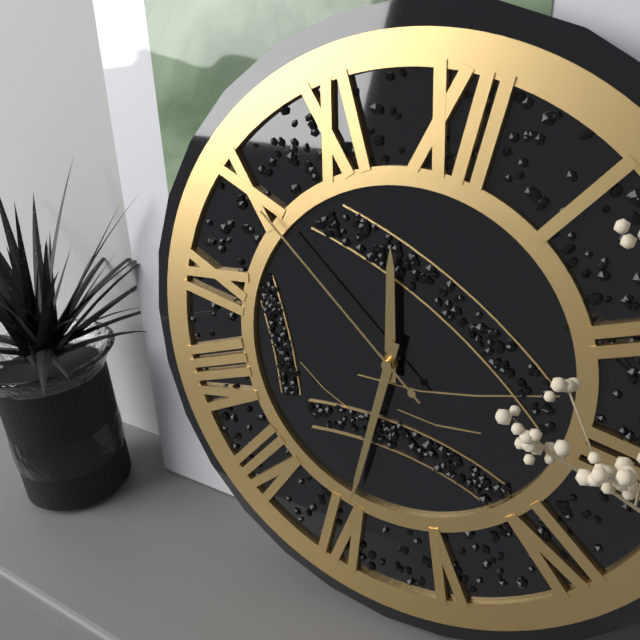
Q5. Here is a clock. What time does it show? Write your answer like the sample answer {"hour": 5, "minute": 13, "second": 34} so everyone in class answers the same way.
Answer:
{"hour": 11, "minute": 30, "second": 50}
